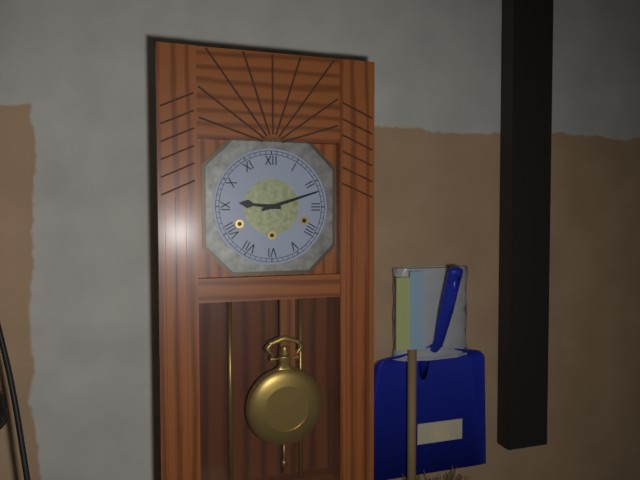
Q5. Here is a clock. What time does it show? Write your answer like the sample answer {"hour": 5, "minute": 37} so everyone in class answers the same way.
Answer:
{"hour": 9, "minute": 12}
